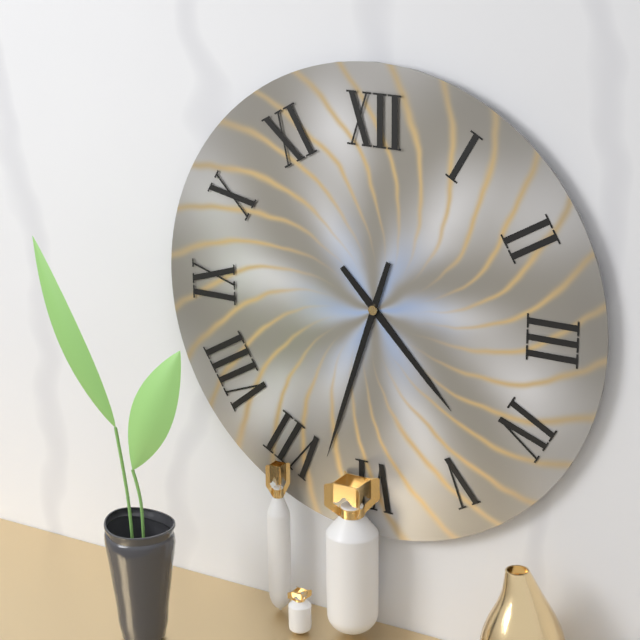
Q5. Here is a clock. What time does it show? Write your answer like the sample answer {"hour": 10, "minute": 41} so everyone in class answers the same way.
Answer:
{"hour": 4, "minute": 33}
